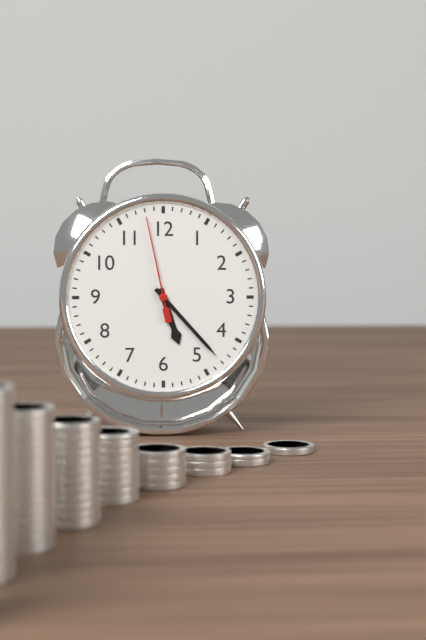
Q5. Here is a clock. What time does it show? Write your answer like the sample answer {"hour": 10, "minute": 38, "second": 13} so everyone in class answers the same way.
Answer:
{"hour": 5, "minute": 23, "second": 58}
